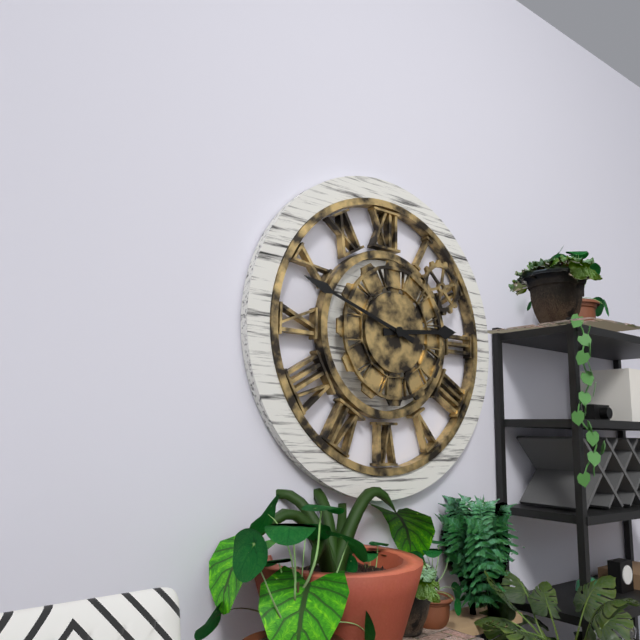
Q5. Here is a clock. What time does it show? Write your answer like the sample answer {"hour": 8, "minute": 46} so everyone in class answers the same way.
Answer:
{"hour": 2, "minute": 48}
